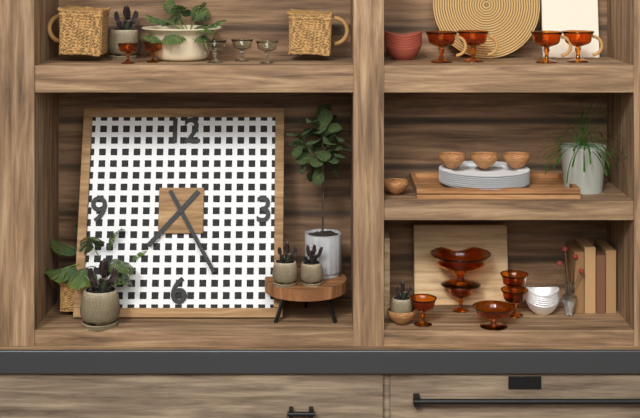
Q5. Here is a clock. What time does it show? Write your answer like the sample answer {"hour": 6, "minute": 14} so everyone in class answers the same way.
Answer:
{"hour": 7, "minute": 25}
